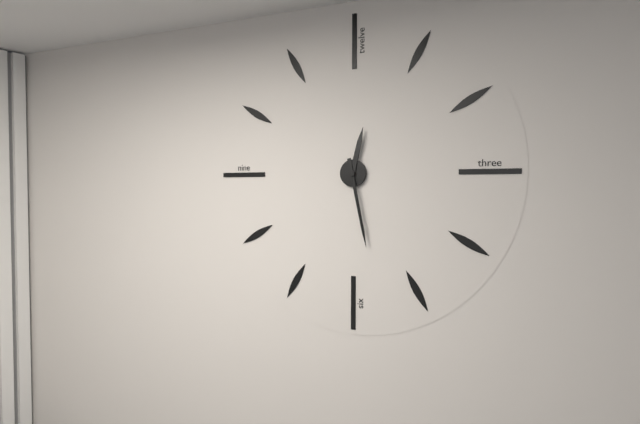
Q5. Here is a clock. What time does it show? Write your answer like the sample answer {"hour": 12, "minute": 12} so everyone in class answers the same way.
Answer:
{"hour": 12, "minute": 28}
